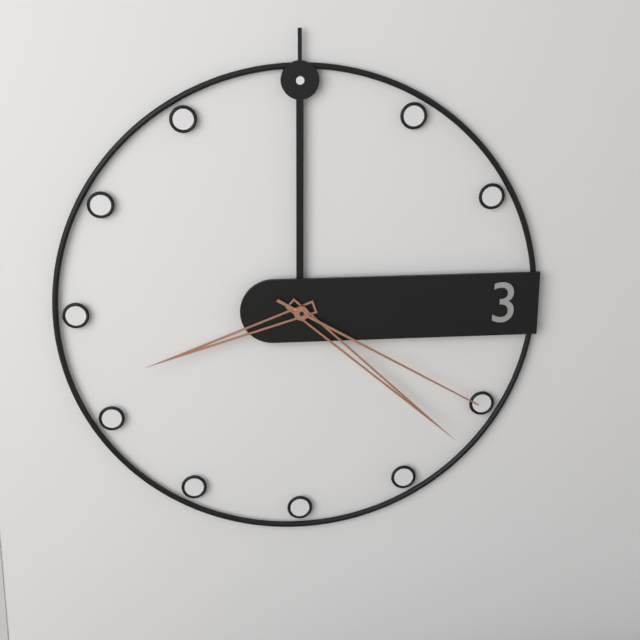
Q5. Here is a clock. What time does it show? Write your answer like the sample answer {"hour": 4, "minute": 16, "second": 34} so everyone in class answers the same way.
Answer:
{"hour": 8, "minute": 22, "second": 20}
